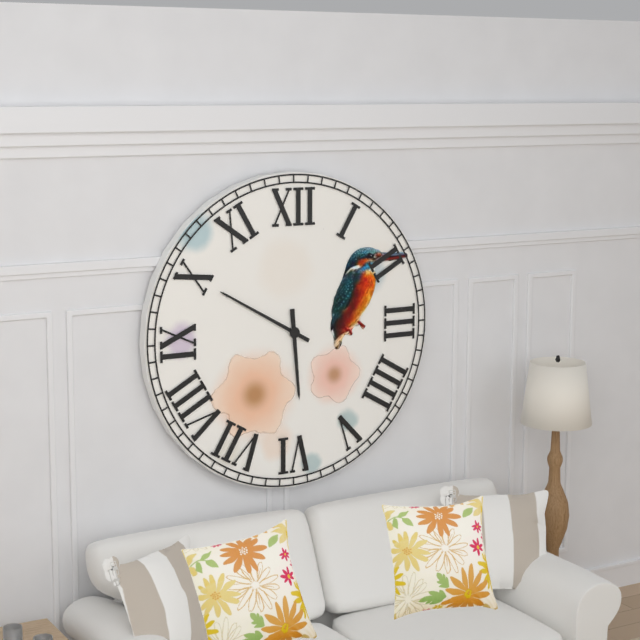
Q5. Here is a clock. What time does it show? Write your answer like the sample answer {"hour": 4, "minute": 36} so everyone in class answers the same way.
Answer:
{"hour": 5, "minute": 50}
